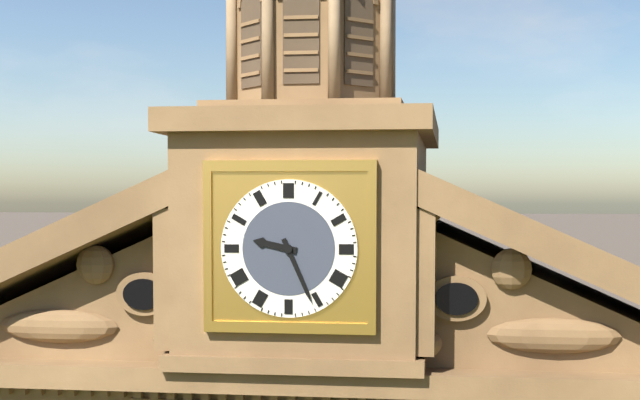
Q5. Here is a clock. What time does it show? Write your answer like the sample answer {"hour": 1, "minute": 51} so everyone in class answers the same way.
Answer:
{"hour": 9, "minute": 26}
